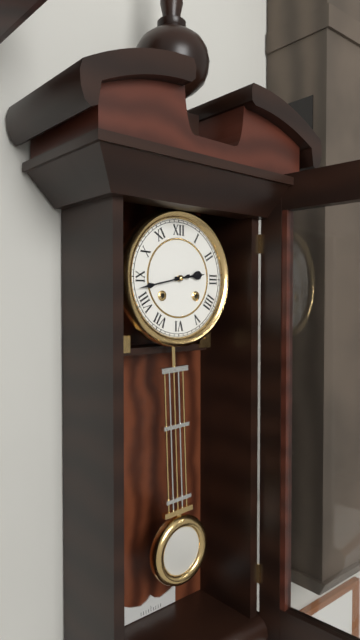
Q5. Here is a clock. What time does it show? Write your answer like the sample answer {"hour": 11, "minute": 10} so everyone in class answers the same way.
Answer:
{"hour": 2, "minute": 43}
